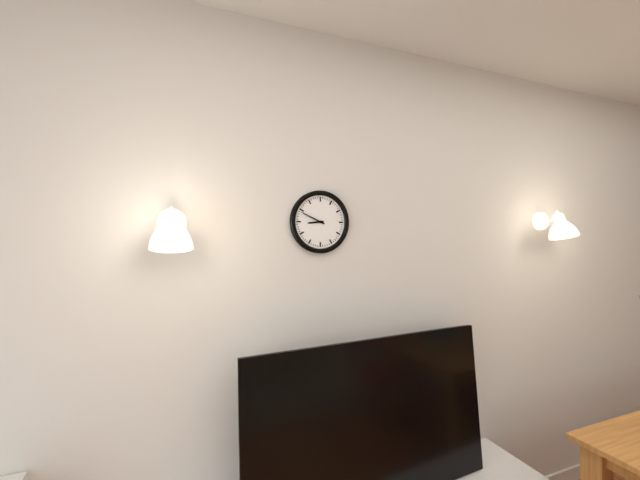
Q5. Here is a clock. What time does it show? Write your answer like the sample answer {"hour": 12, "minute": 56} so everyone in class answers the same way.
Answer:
{"hour": 8, "minute": 49}
